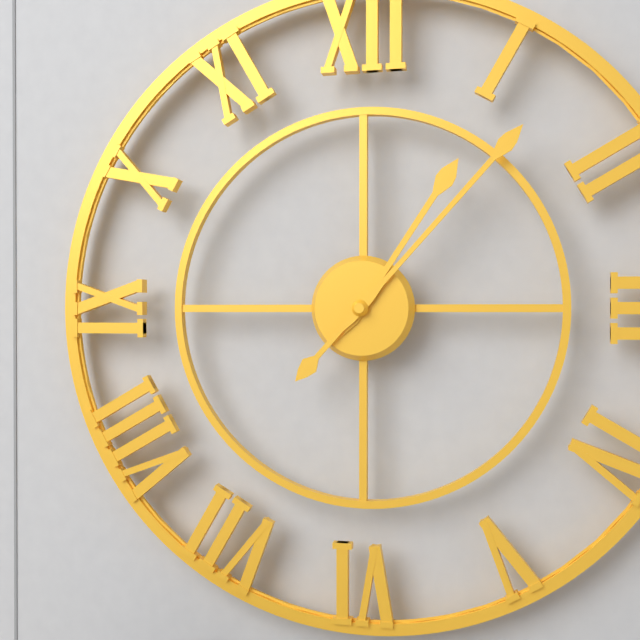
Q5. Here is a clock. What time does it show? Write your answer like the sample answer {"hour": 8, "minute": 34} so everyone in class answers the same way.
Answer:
{"hour": 1, "minute": 7}
